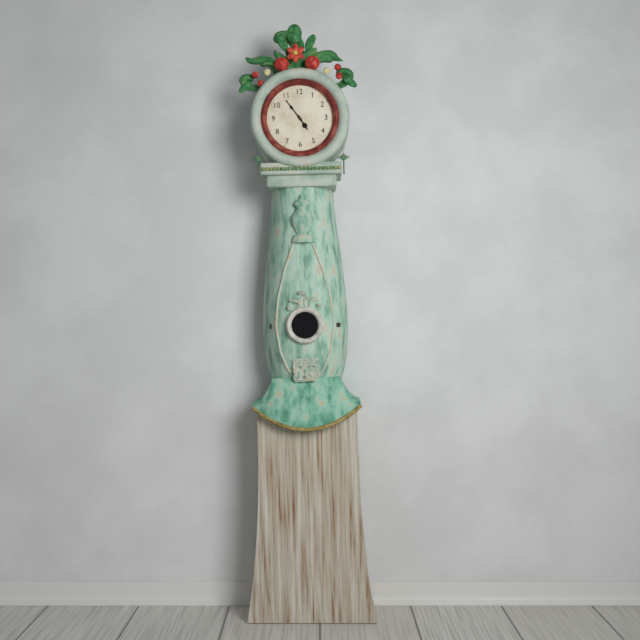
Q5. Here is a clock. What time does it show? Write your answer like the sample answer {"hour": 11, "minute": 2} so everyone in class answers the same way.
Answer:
{"hour": 4, "minute": 54}
